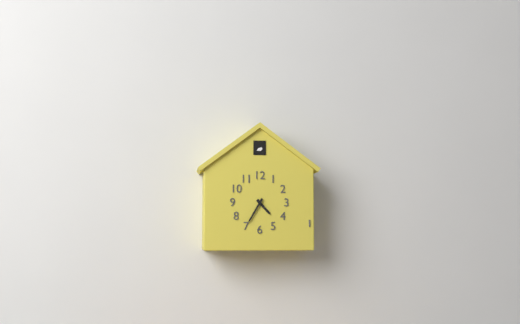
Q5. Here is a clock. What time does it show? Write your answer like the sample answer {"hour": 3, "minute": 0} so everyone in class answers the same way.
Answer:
{"hour": 4, "minute": 35}
